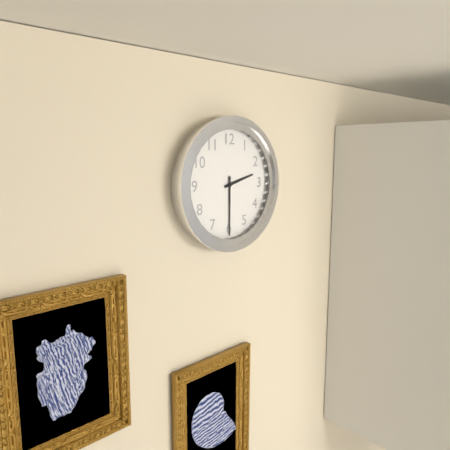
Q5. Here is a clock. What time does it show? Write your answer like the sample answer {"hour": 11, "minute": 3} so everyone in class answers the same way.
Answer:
{"hour": 2, "minute": 30}
